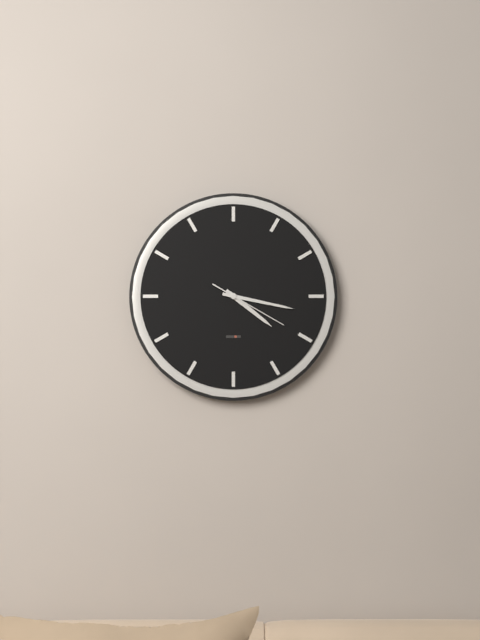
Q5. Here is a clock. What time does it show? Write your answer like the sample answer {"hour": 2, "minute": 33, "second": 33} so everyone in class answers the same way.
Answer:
{"hour": 4, "minute": 17, "second": 20}
